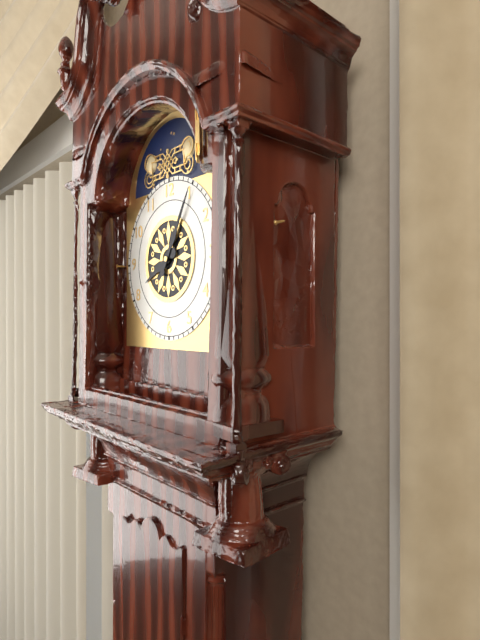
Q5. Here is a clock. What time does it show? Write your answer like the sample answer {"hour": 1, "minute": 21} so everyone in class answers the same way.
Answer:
{"hour": 8, "minute": 5}
